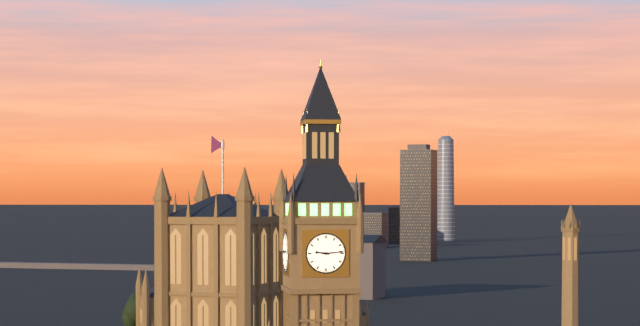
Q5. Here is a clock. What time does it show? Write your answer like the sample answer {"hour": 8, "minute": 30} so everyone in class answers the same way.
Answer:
{"hour": 9, "minute": 14}
